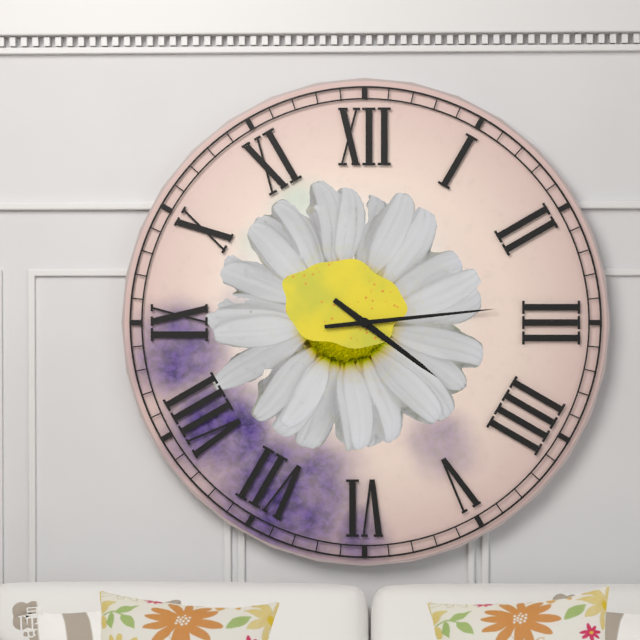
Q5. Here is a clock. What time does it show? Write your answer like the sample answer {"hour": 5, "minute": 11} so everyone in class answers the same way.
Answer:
{"hour": 4, "minute": 14}
